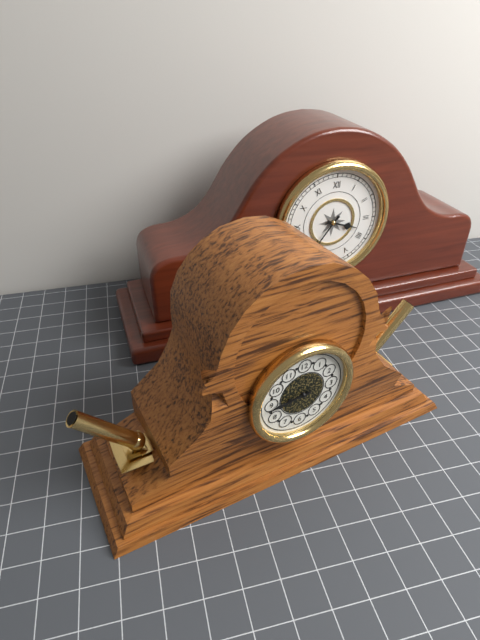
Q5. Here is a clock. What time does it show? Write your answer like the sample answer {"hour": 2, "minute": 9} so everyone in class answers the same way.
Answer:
{"hour": 8, "minute": 44}
